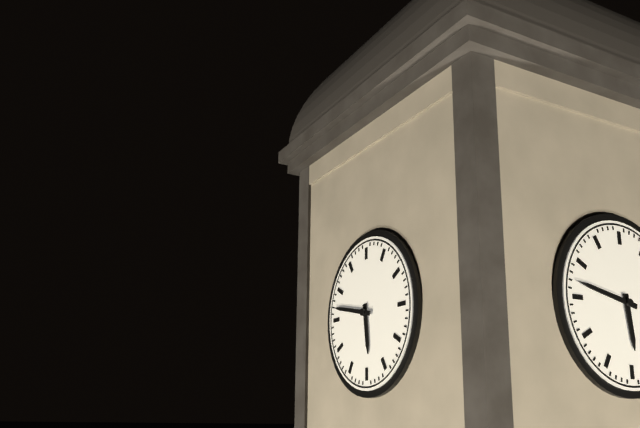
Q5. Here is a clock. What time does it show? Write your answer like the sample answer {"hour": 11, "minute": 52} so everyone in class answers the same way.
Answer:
{"hour": 5, "minute": 47}
